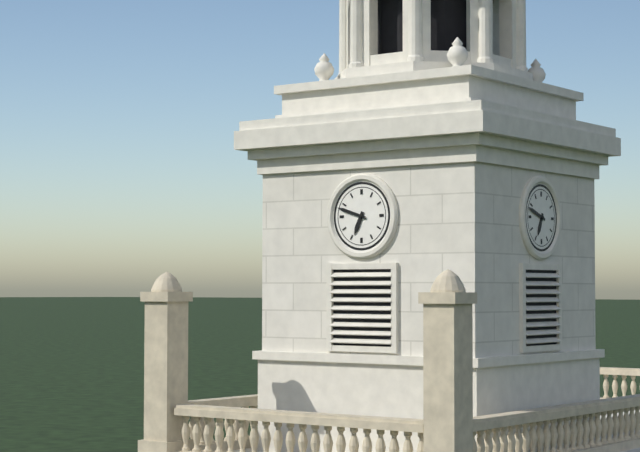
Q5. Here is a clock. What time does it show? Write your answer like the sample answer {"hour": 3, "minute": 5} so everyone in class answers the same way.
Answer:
{"hour": 6, "minute": 48}
